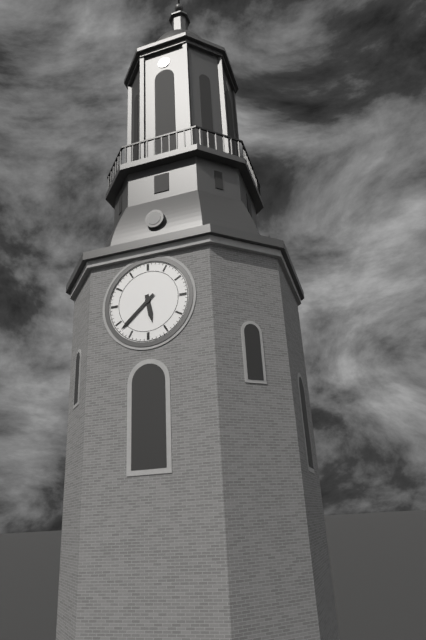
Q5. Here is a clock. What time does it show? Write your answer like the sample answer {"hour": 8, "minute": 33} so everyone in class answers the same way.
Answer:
{"hour": 5, "minute": 38}
